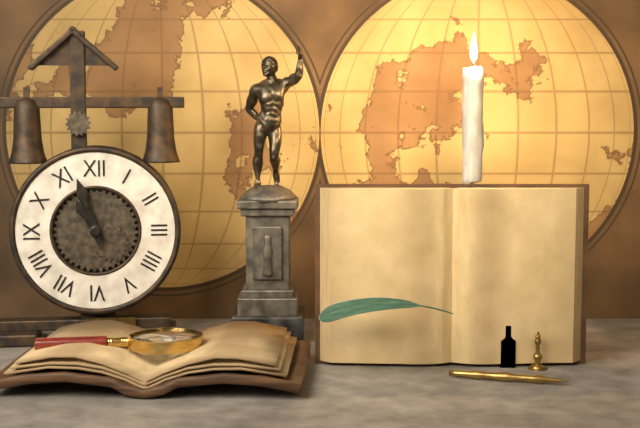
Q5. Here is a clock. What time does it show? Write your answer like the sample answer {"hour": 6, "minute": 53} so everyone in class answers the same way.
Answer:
{"hour": 10, "minute": 57}
